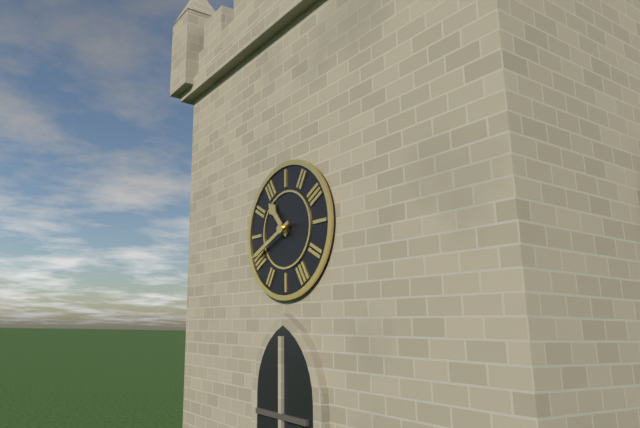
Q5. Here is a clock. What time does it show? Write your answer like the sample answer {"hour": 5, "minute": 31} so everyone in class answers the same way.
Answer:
{"hour": 10, "minute": 41}
